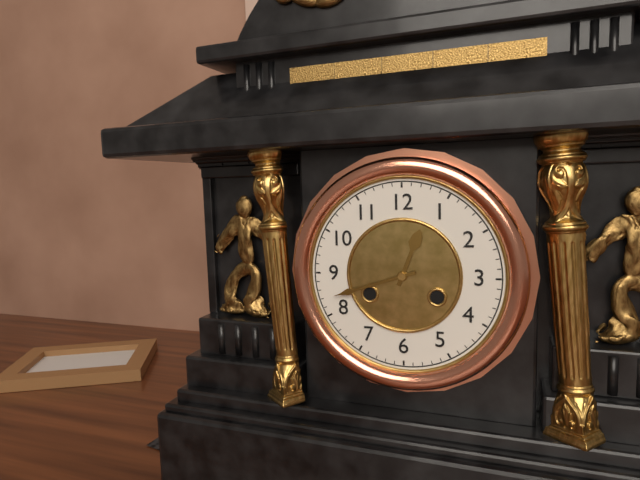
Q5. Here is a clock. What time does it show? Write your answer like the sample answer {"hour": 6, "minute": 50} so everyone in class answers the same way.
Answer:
{"hour": 12, "minute": 42}
